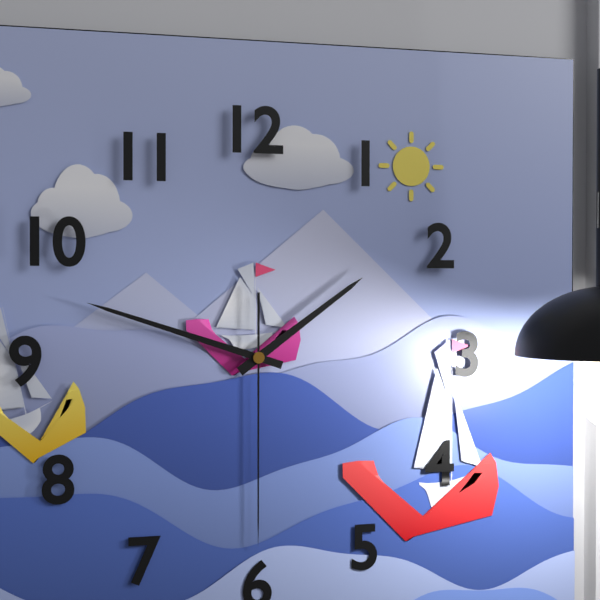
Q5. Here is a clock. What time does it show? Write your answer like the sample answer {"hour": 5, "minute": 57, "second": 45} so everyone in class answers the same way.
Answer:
{"hour": 1, "minute": 48, "second": 30}
